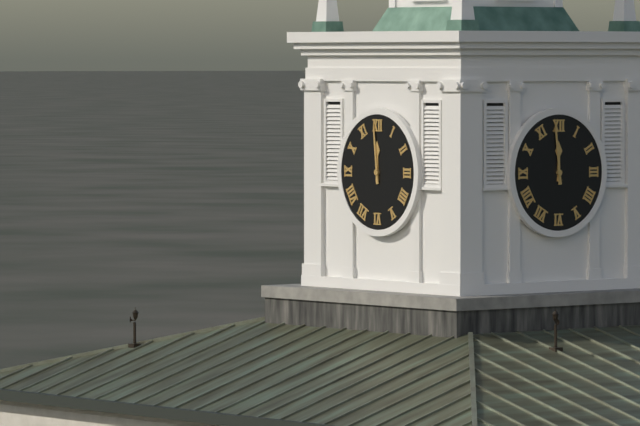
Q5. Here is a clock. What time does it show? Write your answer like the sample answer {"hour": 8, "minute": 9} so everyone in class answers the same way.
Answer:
{"hour": 11, "minute": 59}
